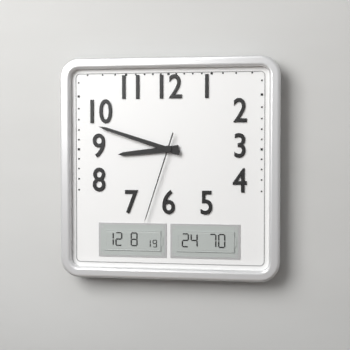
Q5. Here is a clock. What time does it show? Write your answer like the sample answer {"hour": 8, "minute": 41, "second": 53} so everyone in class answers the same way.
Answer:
{"hour": 8, "minute": 48, "second": 33}
